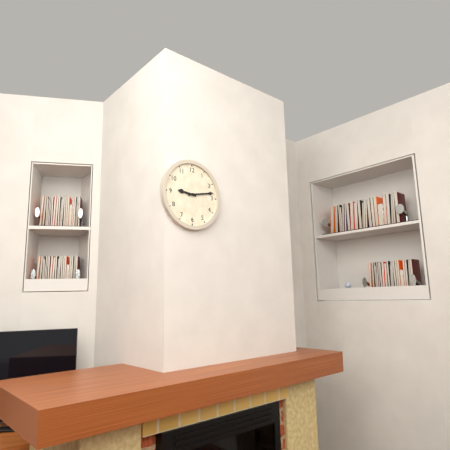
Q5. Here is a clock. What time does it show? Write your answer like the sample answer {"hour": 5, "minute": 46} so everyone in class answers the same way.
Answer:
{"hour": 9, "minute": 13}
